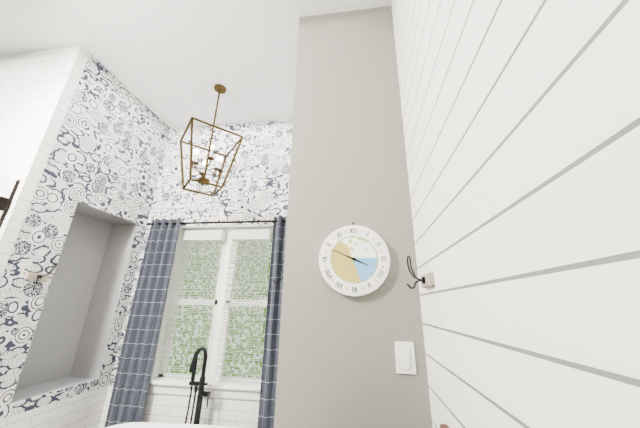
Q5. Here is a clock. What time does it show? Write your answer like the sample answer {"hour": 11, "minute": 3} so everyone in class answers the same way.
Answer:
{"hour": 3, "minute": 49}
